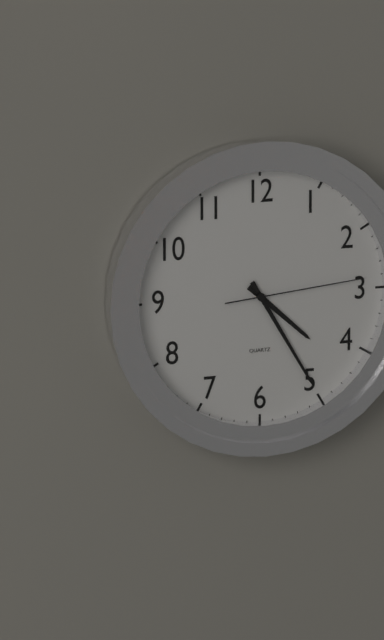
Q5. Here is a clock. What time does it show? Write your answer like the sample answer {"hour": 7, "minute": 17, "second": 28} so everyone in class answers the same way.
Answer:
{"hour": 4, "minute": 25, "second": 14}
